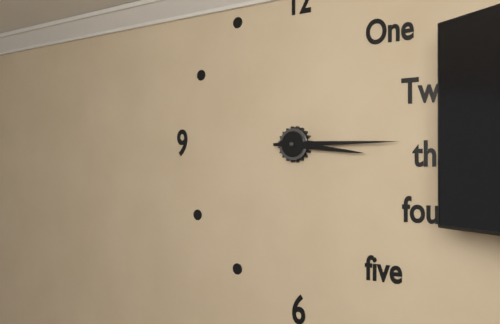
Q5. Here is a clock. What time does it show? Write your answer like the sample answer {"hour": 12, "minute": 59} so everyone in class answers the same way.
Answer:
{"hour": 3, "minute": 15}
